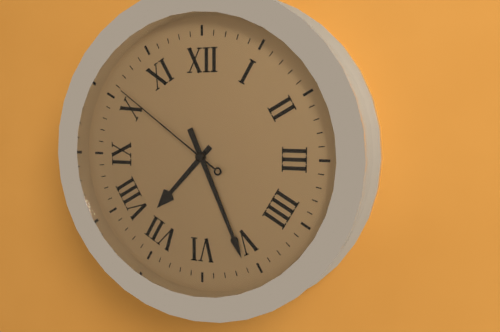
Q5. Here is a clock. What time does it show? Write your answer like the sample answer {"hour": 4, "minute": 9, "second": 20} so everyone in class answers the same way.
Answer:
{"hour": 7, "minute": 26, "second": 51}
